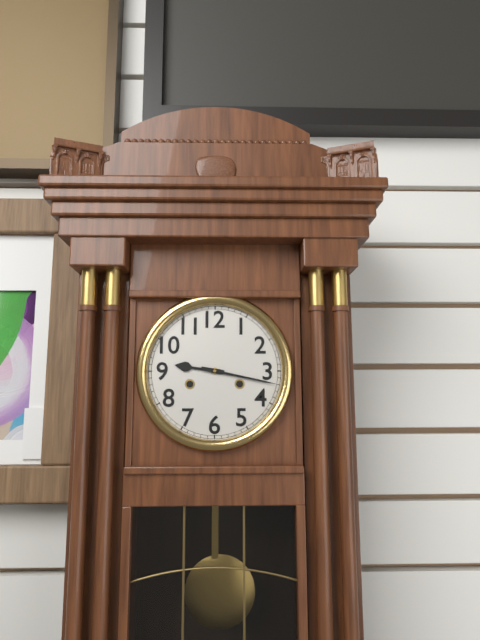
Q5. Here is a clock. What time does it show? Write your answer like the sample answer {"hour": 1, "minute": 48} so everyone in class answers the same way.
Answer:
{"hour": 9, "minute": 17}
